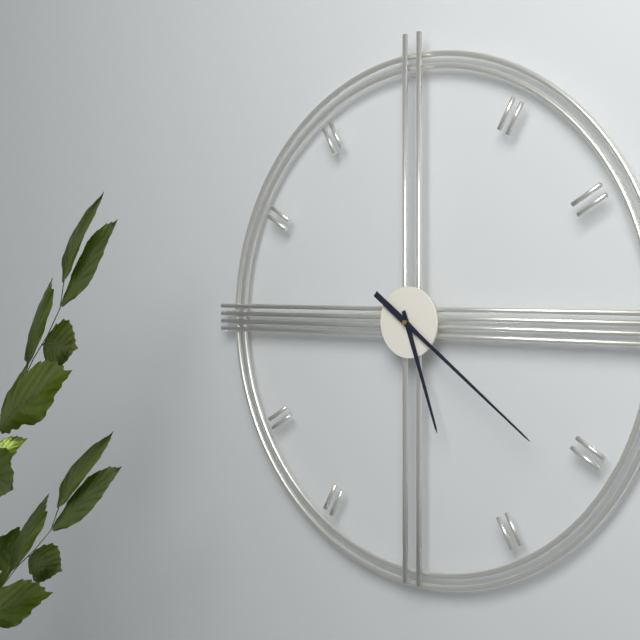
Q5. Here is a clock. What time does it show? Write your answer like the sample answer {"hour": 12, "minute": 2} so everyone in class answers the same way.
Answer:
{"hour": 5, "minute": 21}
